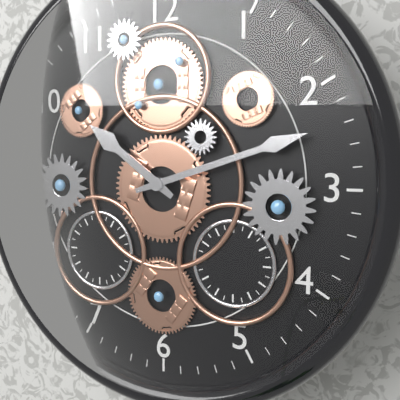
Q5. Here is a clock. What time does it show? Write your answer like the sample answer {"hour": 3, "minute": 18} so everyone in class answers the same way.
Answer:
{"hour": 10, "minute": 12}
